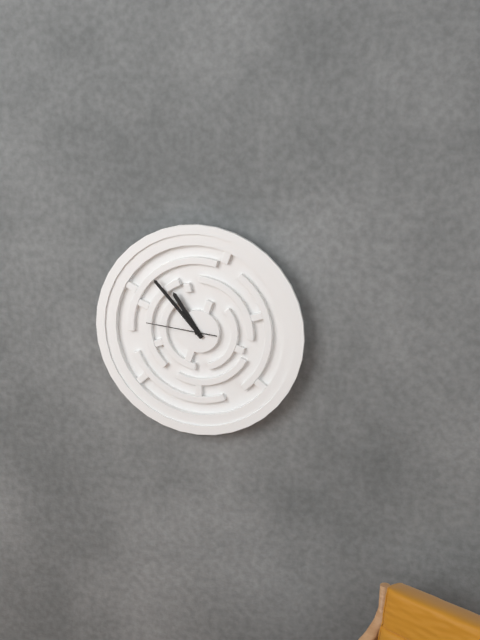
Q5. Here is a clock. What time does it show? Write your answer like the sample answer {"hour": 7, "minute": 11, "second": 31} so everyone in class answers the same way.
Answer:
{"hour": 10, "minute": 53, "second": 46}
